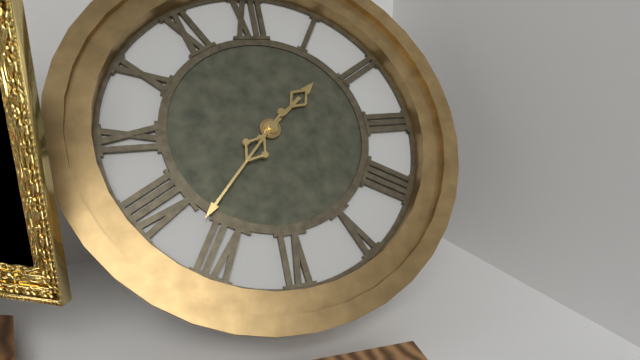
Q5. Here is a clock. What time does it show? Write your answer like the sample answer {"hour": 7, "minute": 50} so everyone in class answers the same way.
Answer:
{"hour": 1, "minute": 37}
